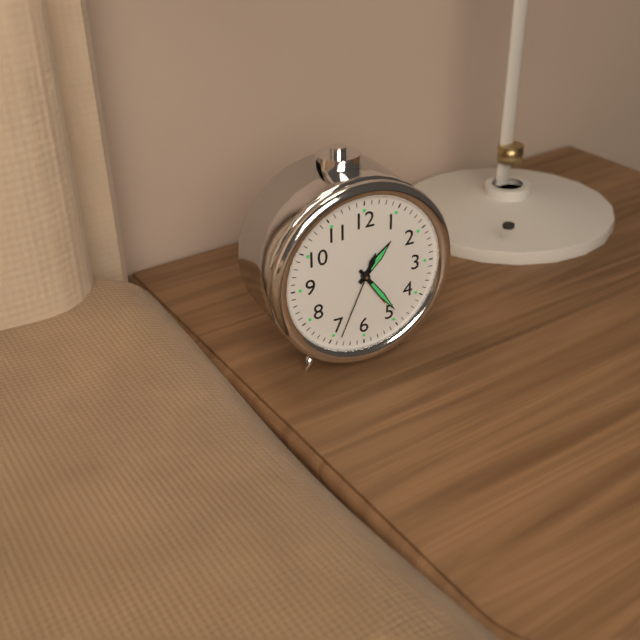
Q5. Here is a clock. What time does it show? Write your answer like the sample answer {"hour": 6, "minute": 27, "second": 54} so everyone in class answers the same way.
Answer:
{"hour": 1, "minute": 24, "second": 34}
